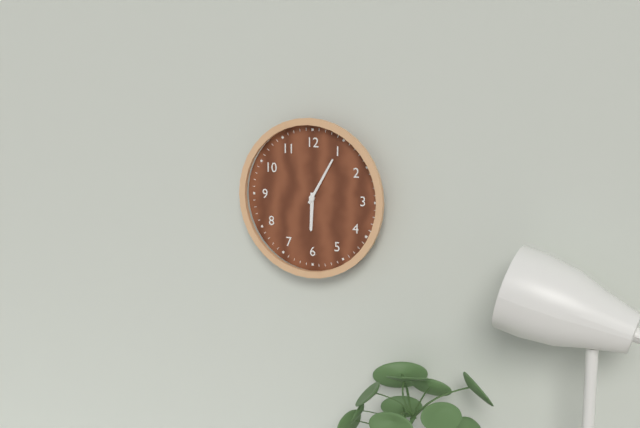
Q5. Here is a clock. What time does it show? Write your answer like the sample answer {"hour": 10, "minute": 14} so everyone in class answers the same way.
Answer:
{"hour": 6, "minute": 5}
